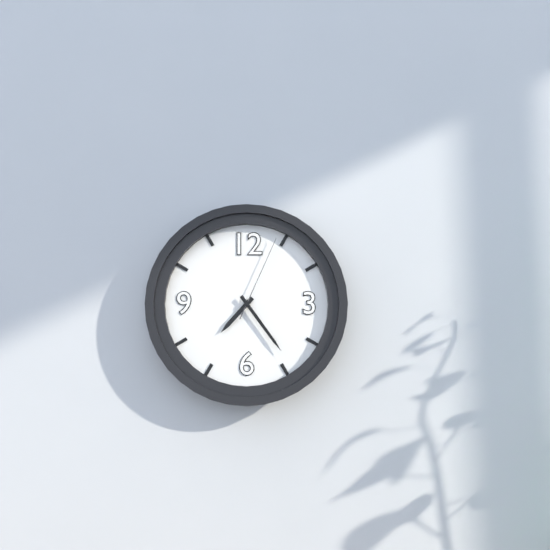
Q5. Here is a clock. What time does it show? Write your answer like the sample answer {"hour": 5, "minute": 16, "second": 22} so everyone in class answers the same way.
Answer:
{"hour": 7, "minute": 24, "second": 4}
